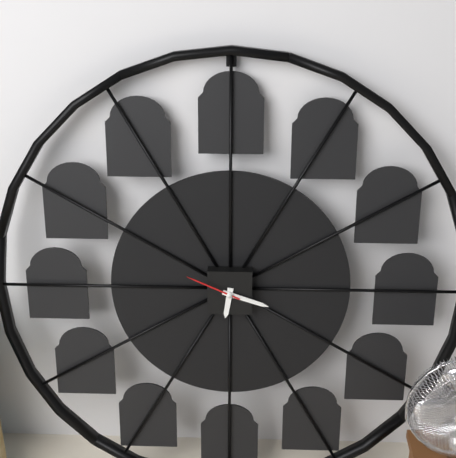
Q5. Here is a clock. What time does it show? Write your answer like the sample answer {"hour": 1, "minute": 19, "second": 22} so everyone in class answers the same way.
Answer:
{"hour": 6, "minute": 18, "second": 49}
